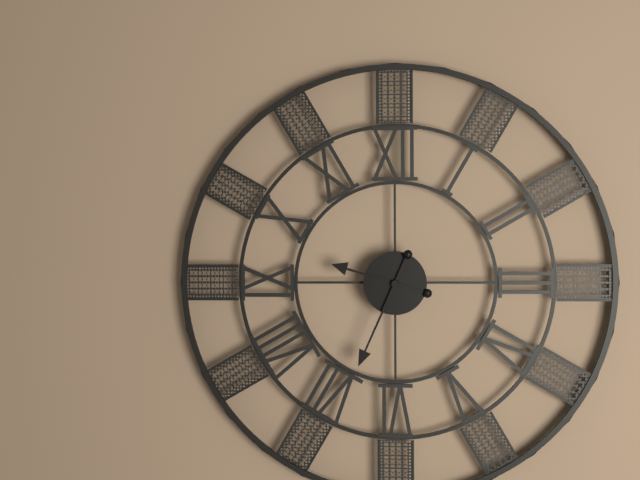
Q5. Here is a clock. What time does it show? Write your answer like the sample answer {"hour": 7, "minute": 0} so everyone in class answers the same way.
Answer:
{"hour": 9, "minute": 34}
